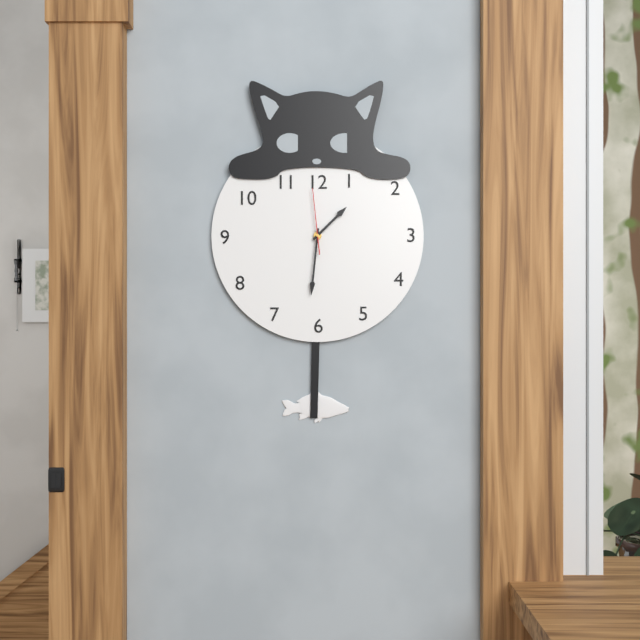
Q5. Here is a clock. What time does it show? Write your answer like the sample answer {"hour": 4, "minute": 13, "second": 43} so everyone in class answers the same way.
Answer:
{"hour": 1, "minute": 31, "second": 59}
